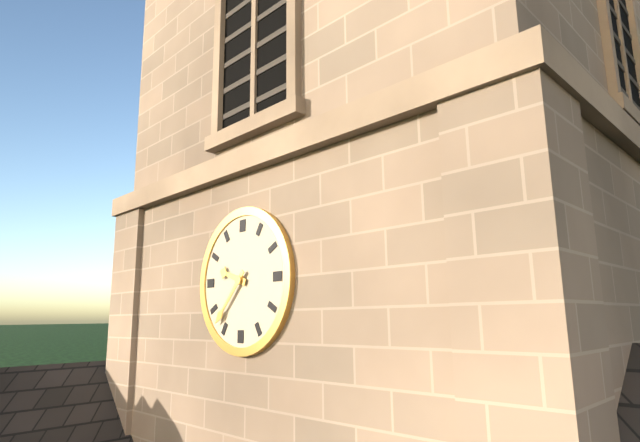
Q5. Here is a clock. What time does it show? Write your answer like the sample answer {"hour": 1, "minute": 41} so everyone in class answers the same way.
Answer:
{"hour": 9, "minute": 37}
